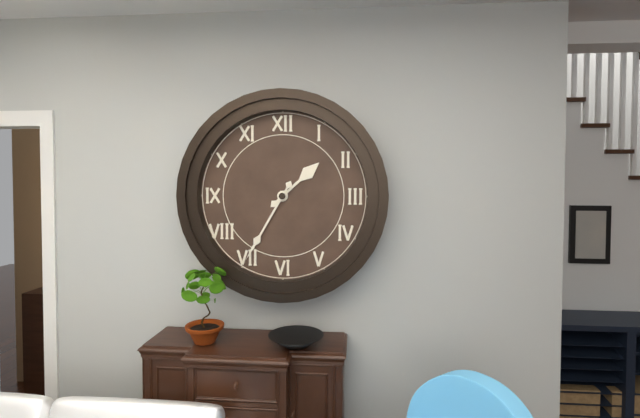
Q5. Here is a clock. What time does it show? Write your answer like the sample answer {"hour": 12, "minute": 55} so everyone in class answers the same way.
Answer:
{"hour": 1, "minute": 35}
